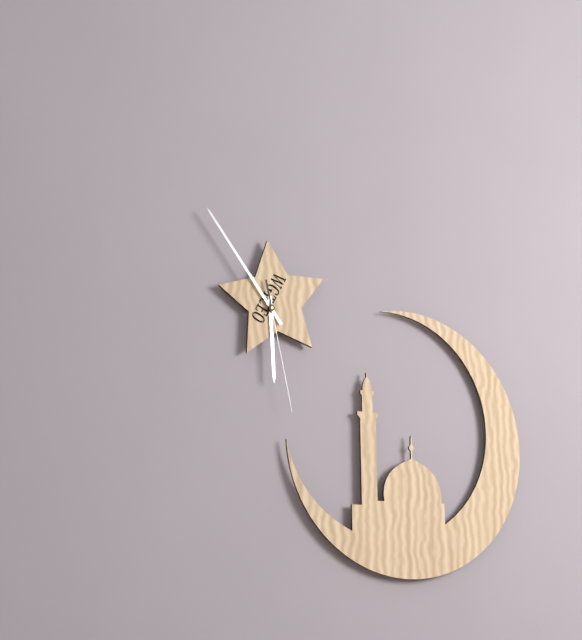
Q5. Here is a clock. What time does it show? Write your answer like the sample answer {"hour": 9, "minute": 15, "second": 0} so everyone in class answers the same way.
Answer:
{"hour": 5, "minute": 54, "second": 28}
